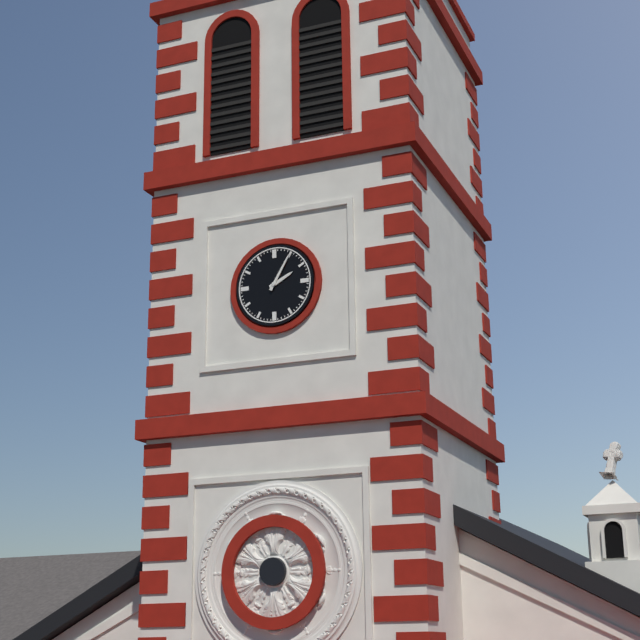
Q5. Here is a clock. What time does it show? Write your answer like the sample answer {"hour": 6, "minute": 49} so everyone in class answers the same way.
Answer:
{"hour": 2, "minute": 5}
